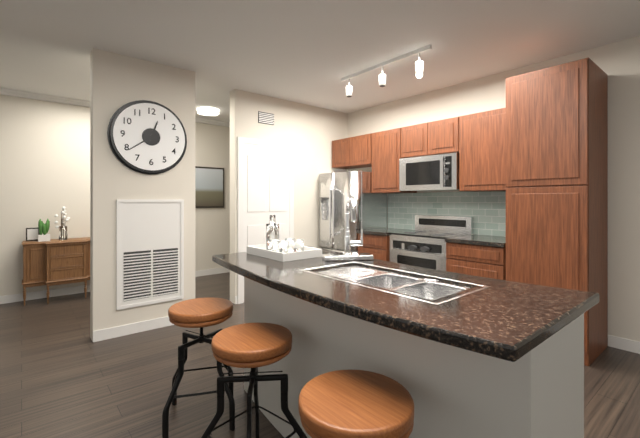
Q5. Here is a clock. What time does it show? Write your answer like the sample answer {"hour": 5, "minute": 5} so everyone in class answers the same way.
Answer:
{"hour": 12, "minute": 39}
